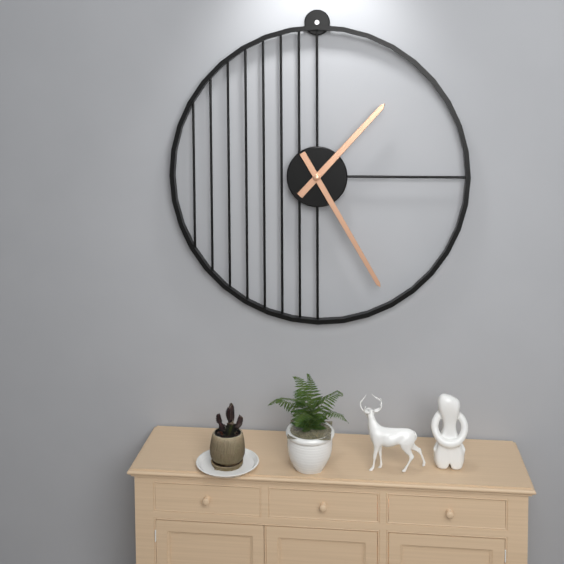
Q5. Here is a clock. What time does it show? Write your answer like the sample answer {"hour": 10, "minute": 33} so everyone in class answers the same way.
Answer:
{"hour": 1, "minute": 25}
